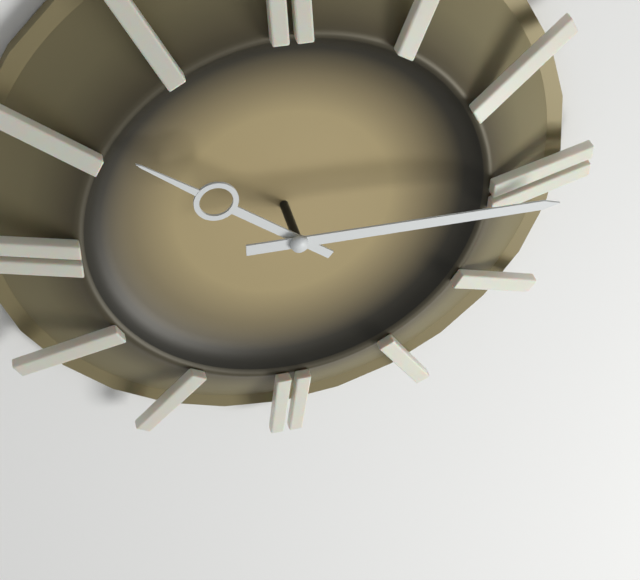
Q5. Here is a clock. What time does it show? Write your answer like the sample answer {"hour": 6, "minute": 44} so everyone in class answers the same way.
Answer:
{"hour": 10, "minute": 15}
